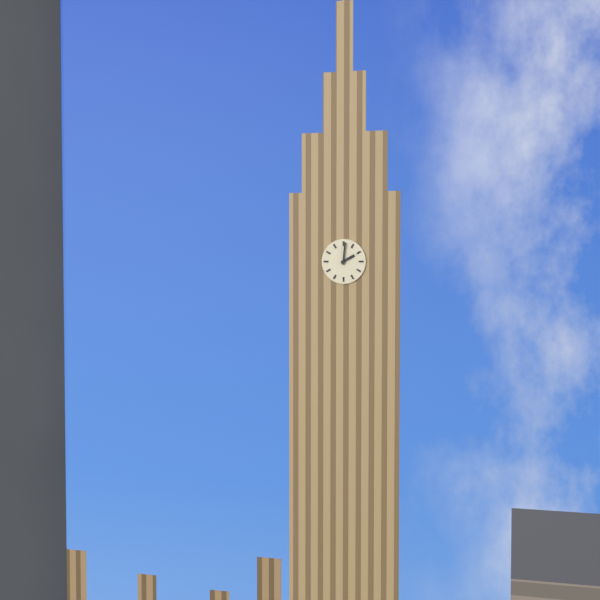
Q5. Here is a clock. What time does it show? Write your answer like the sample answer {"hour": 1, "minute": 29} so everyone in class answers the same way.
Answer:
{"hour": 2, "minute": 1}
